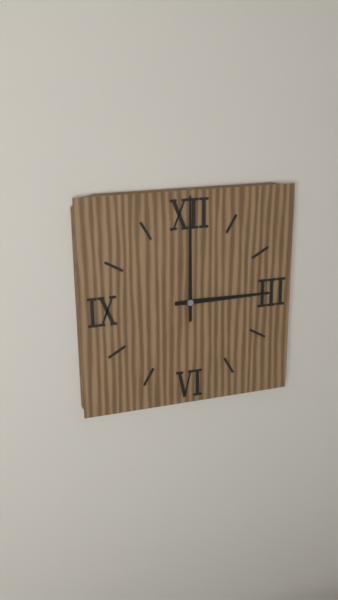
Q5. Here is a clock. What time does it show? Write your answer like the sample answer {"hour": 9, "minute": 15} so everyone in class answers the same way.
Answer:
{"hour": 3, "minute": 0}
